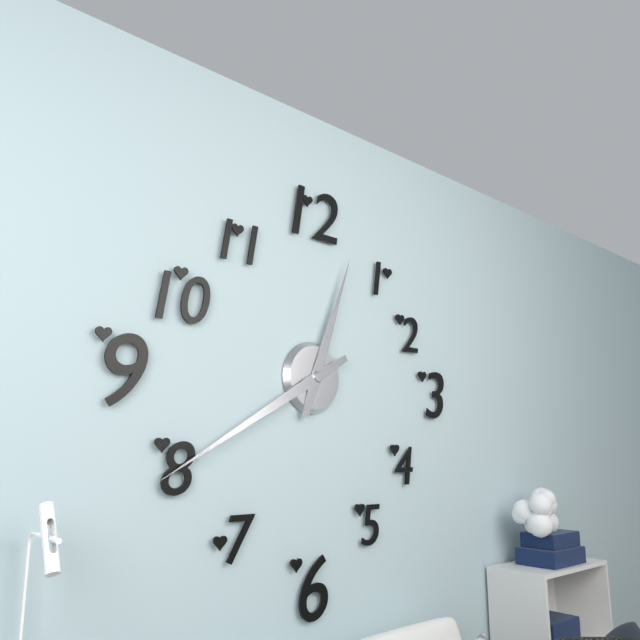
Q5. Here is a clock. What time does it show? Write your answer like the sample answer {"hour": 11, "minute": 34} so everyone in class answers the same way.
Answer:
{"hour": 12, "minute": 40}
